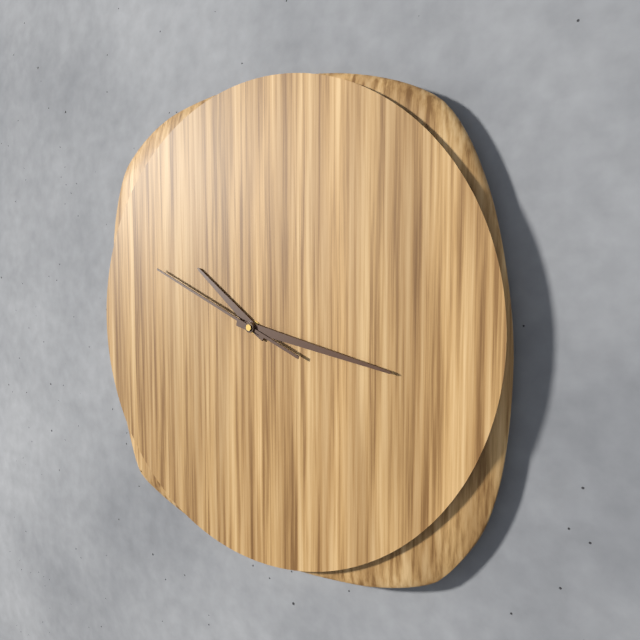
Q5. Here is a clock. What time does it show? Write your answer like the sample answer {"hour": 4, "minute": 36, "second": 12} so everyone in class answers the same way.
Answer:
{"hour": 10, "minute": 17, "second": 49}
